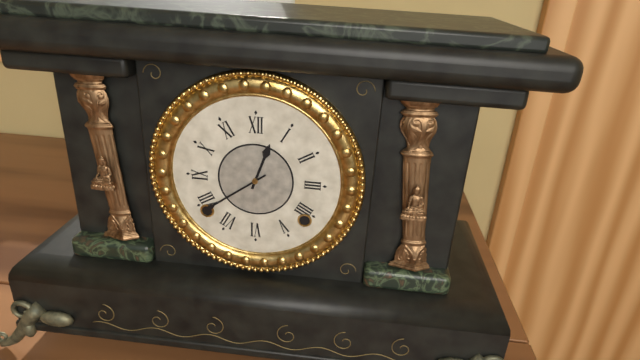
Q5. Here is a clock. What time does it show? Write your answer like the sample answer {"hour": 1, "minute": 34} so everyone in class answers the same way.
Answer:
{"hour": 12, "minute": 39}
